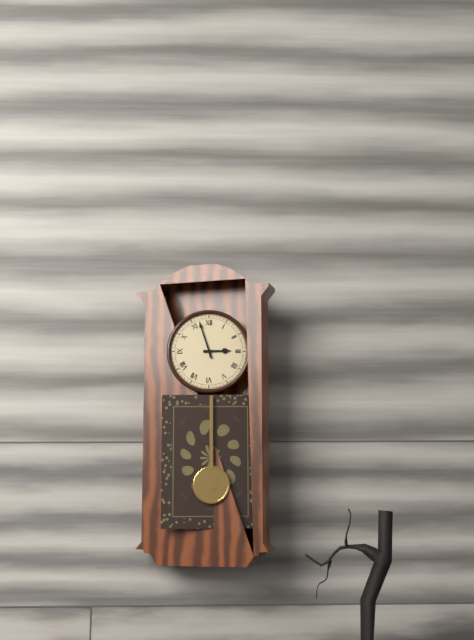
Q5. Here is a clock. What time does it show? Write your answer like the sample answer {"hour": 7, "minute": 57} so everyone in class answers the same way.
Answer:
{"hour": 2, "minute": 57}
